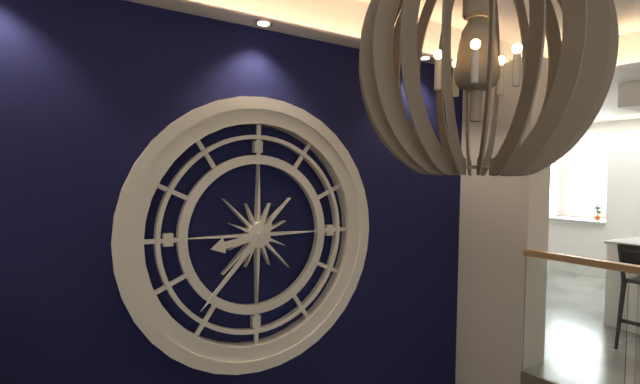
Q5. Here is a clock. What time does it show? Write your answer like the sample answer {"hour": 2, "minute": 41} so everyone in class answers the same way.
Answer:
{"hour": 8, "minute": 37}
